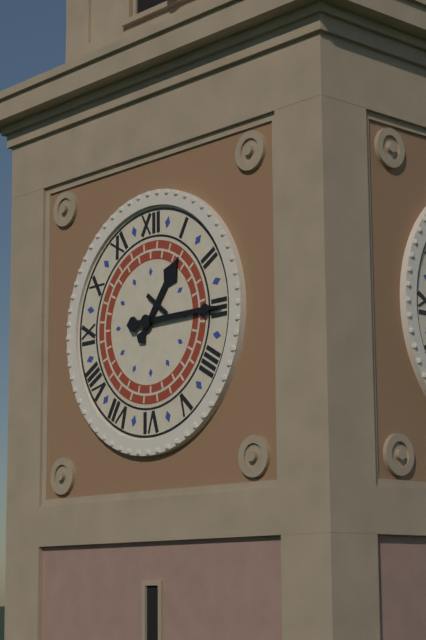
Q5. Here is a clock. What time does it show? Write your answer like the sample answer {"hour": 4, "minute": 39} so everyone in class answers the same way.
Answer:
{"hour": 1, "minute": 15}
